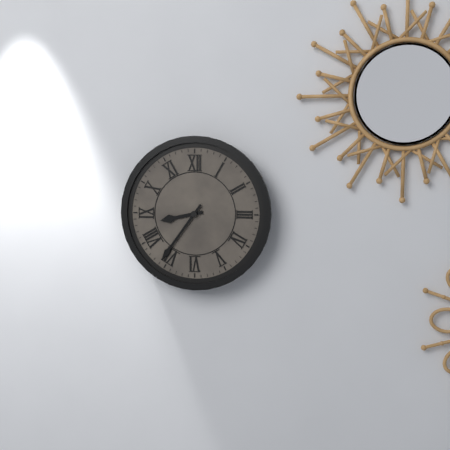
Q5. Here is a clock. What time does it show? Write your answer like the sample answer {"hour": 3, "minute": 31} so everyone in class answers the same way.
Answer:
{"hour": 8, "minute": 36}
